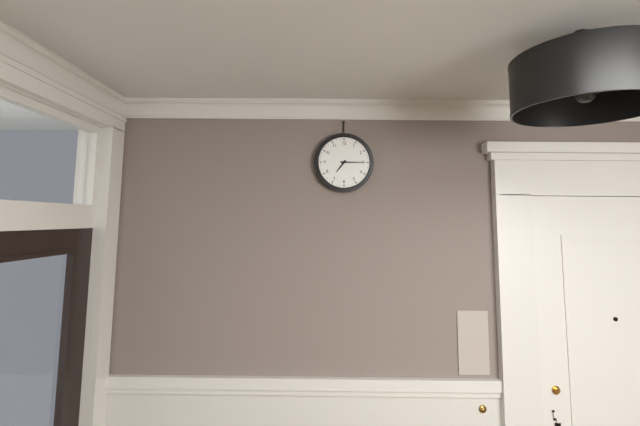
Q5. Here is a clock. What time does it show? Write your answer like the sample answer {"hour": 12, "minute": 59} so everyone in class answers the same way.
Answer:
{"hour": 7, "minute": 15}
